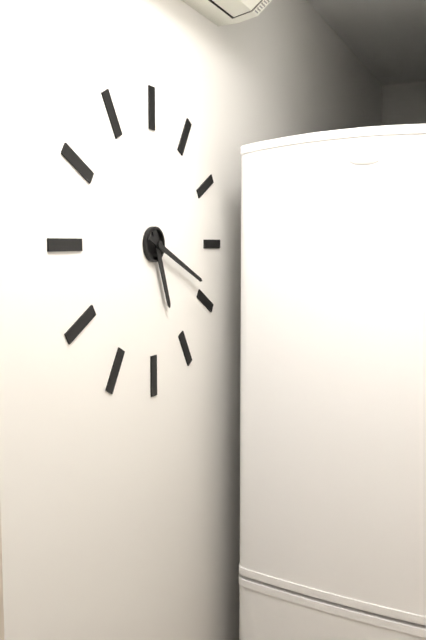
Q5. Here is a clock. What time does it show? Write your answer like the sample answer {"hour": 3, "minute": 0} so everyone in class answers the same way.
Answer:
{"hour": 5, "minute": 19}
